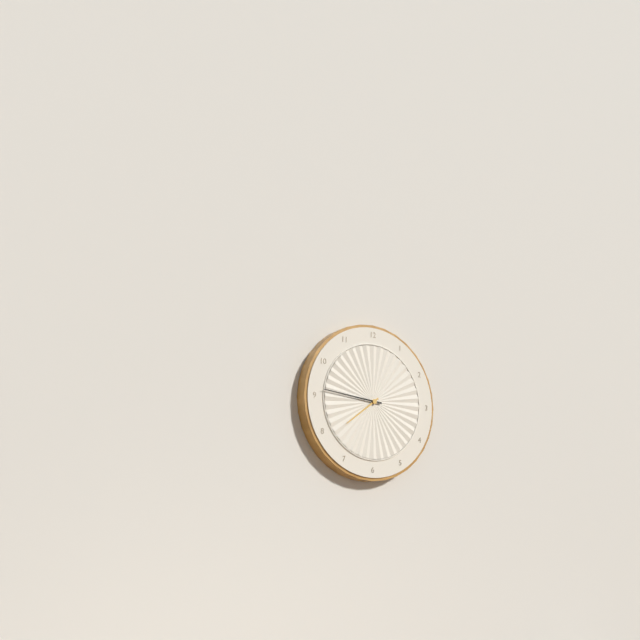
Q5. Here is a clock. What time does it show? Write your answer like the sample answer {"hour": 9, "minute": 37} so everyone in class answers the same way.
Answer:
{"hour": 7, "minute": 46}
